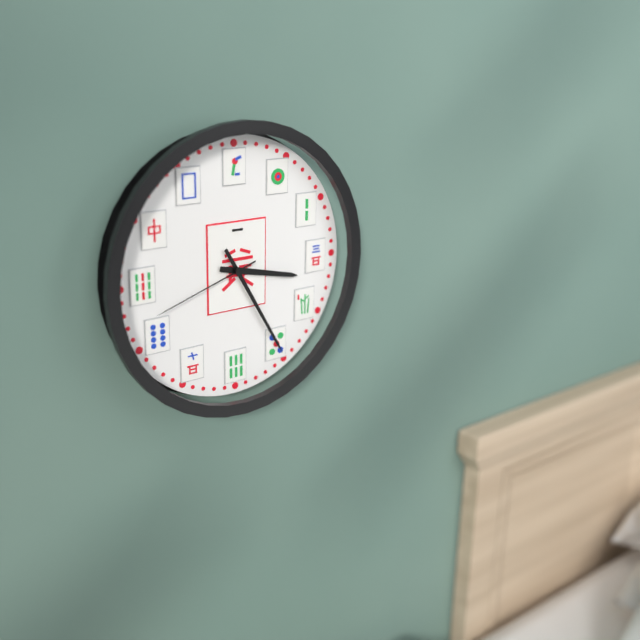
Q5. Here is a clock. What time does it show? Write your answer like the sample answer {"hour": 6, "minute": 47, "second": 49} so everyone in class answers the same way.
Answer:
{"hour": 3, "minute": 25, "second": 42}
